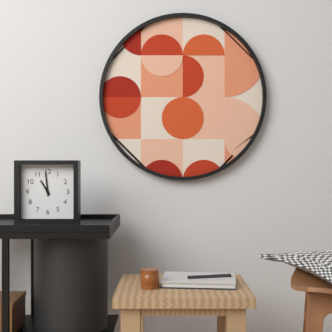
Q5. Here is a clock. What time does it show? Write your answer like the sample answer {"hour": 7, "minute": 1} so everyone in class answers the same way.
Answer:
{"hour": 10, "minute": 59}
